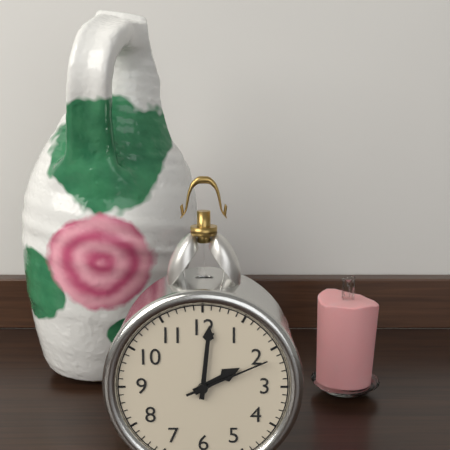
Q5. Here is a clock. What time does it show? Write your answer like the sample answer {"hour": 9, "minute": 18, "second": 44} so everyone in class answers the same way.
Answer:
{"hour": 2, "minute": 1, "second": 11}
